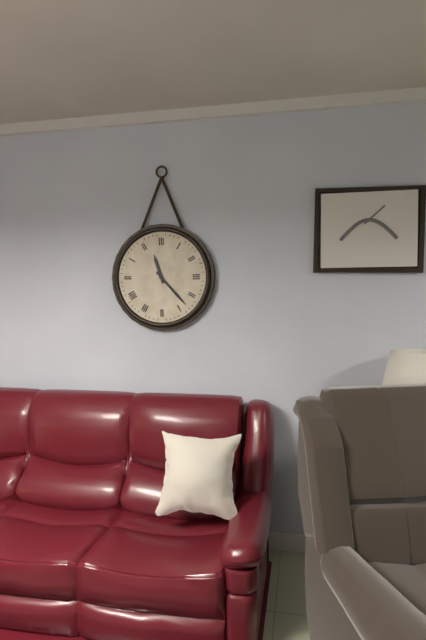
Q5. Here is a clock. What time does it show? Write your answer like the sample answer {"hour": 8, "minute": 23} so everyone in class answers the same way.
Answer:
{"hour": 11, "minute": 23}
